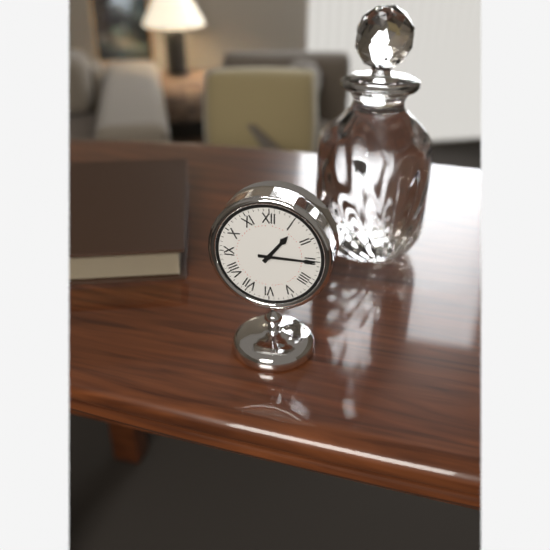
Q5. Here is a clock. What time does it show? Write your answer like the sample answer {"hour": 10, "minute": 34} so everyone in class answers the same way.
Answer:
{"hour": 1, "minute": 15}
